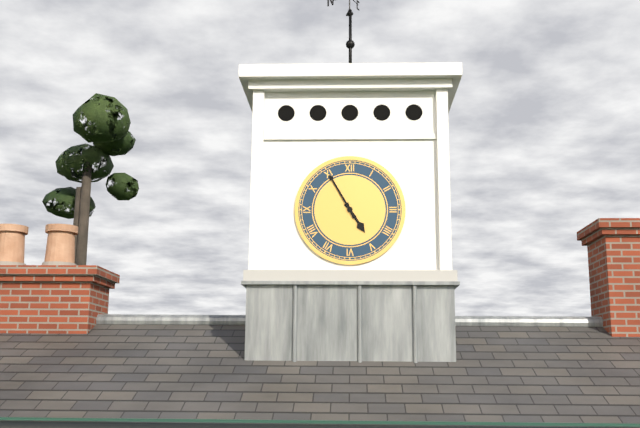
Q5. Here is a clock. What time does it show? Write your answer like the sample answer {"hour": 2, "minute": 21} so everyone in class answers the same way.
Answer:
{"hour": 4, "minute": 55}
